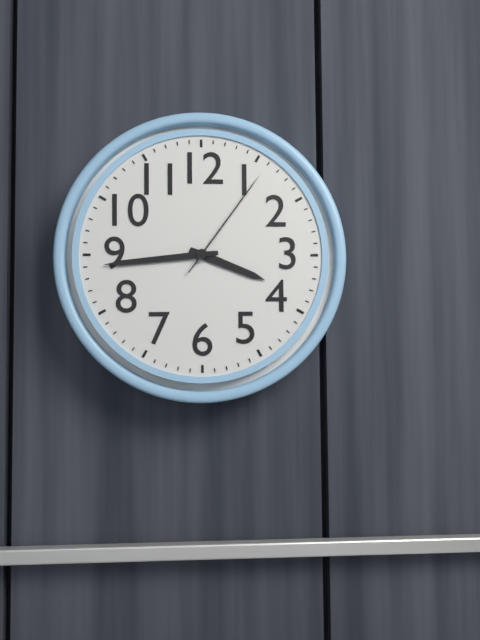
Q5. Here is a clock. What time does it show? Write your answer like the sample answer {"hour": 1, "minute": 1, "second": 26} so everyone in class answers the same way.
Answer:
{"hour": 3, "minute": 44, "second": 6}
